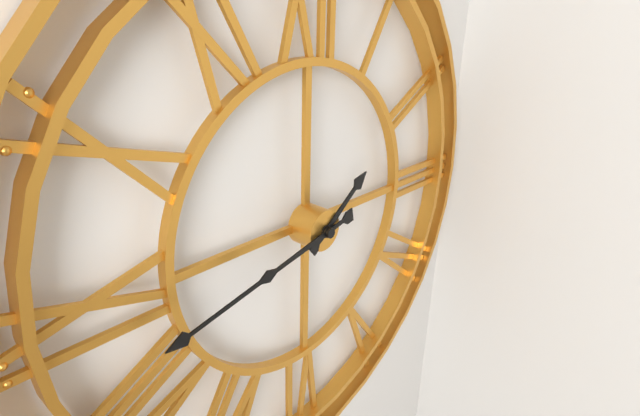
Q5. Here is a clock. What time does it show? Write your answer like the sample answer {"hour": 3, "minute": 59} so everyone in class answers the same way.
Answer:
{"hour": 1, "minute": 43}
